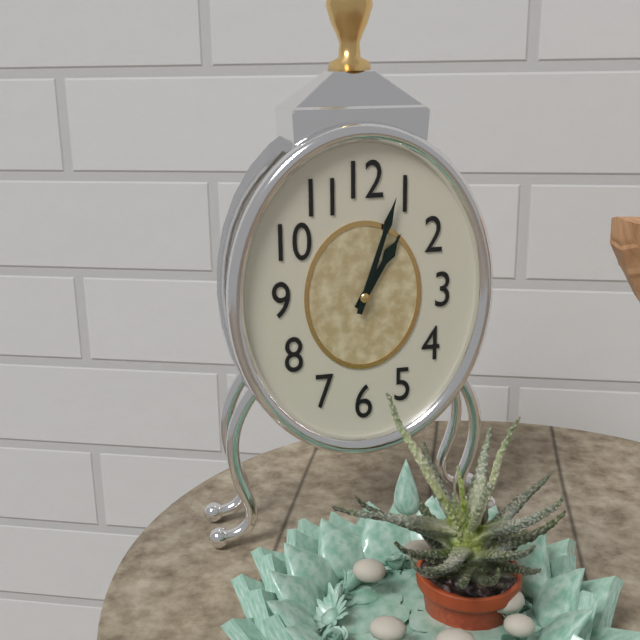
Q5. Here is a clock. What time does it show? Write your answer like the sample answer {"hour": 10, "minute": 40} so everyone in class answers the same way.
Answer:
{"hour": 1, "minute": 3}
